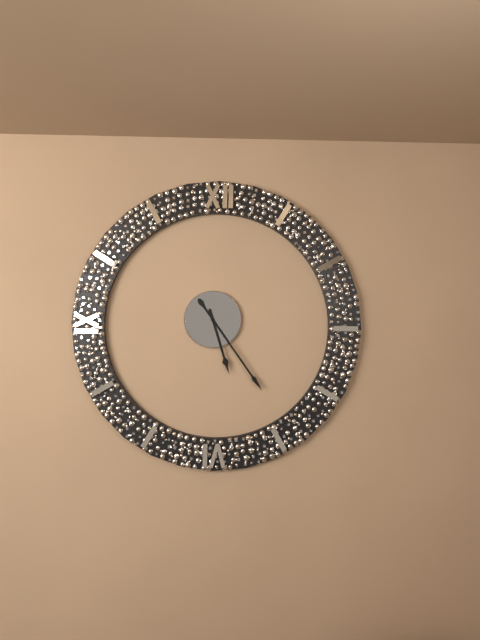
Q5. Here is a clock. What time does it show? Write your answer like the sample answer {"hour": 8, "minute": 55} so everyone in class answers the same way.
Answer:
{"hour": 5, "minute": 24}
